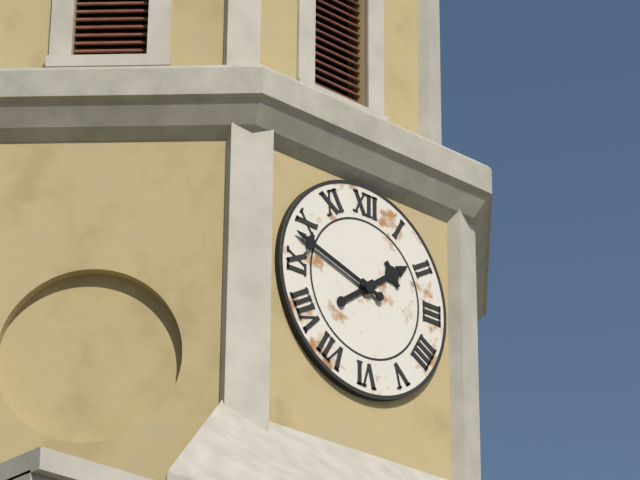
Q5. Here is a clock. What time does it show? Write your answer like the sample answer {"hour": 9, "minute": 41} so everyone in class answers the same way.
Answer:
{"hour": 1, "minute": 48}
